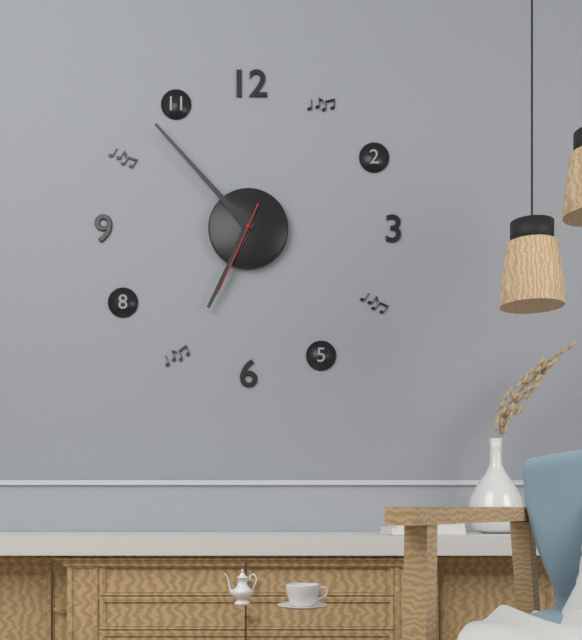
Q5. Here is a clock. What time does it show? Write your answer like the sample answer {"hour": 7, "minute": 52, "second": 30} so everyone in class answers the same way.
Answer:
{"hour": 6, "minute": 53, "second": 34}
